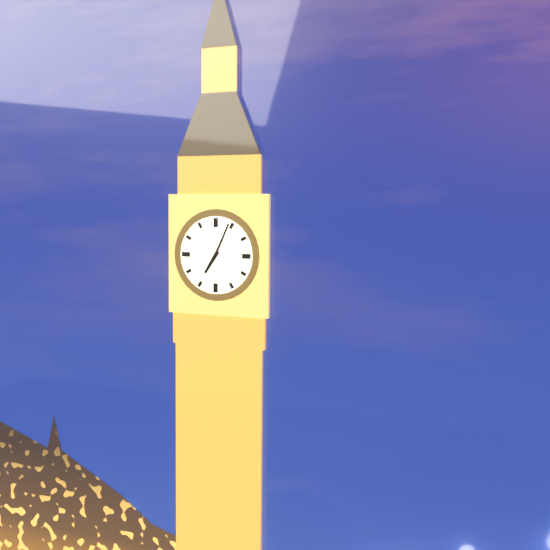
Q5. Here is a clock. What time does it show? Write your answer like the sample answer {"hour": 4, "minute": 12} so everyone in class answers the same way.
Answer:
{"hour": 7, "minute": 4}
